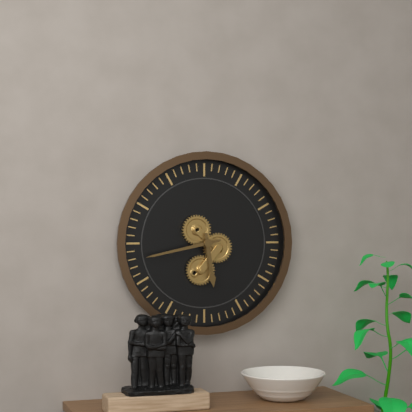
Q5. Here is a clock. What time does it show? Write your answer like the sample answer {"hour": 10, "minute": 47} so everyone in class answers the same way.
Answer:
{"hour": 5, "minute": 43}
